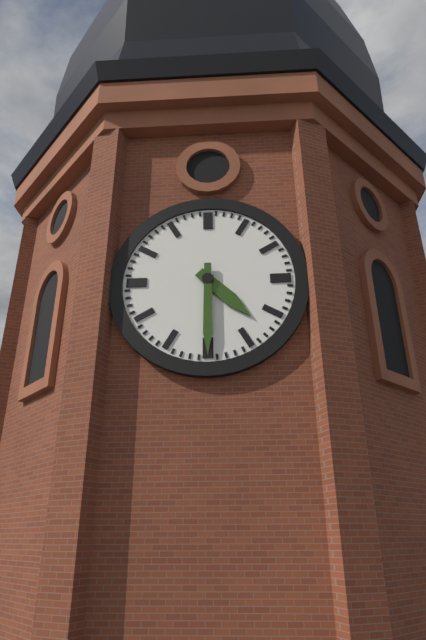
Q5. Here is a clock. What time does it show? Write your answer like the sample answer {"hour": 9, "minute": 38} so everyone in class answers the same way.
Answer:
{"hour": 4, "minute": 30}
